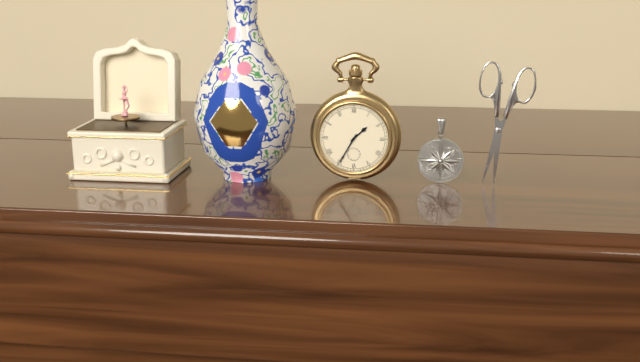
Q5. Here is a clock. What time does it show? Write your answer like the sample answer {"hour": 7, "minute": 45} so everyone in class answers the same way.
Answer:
{"hour": 1, "minute": 35}
